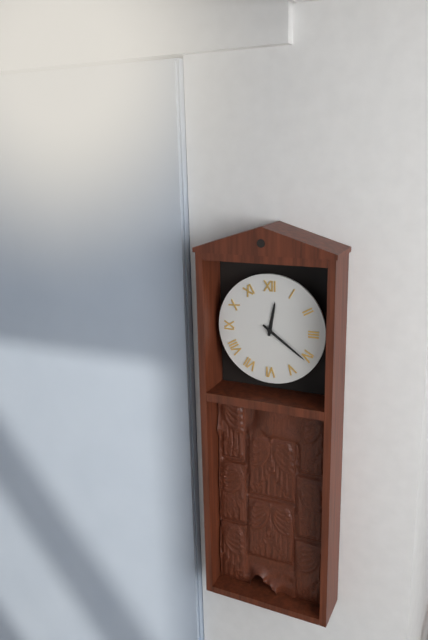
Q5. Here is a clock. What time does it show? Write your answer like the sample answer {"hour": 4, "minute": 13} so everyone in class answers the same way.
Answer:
{"hour": 12, "minute": 21}
